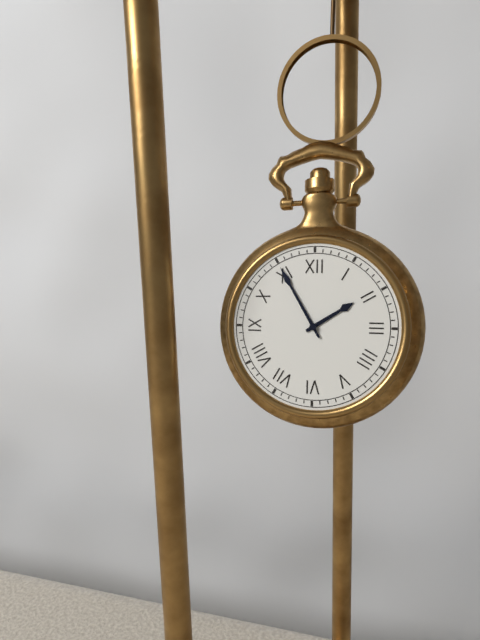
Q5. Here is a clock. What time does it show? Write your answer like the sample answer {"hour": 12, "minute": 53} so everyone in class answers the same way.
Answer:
{"hour": 1, "minute": 55}
